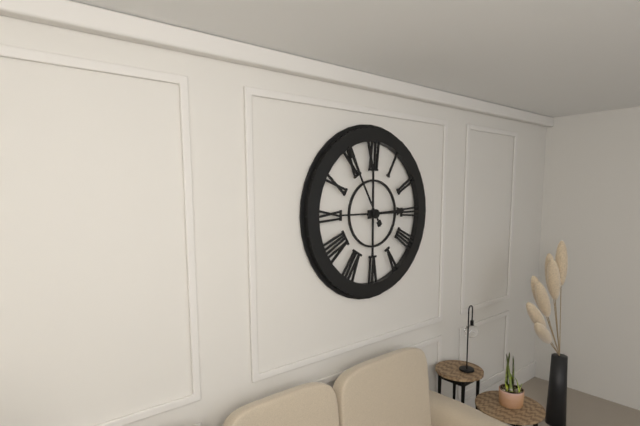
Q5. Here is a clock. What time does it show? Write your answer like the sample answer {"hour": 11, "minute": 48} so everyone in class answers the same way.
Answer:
{"hour": 2, "minute": 55}
